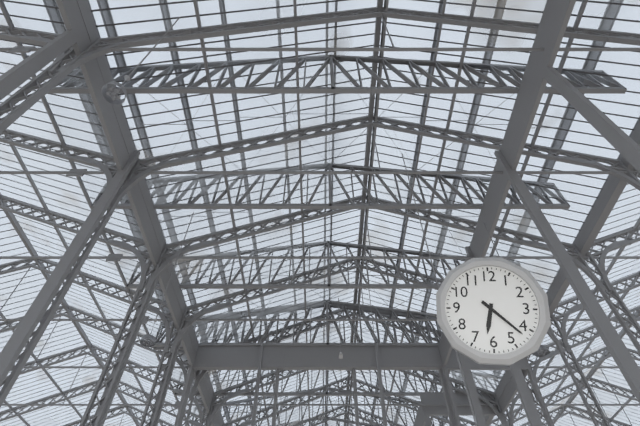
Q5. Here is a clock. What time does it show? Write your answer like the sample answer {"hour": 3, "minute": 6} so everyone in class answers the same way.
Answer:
{"hour": 6, "minute": 22}
